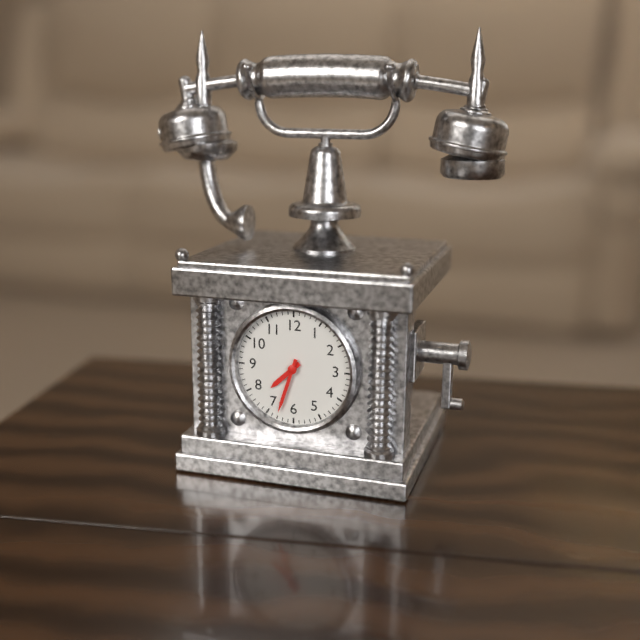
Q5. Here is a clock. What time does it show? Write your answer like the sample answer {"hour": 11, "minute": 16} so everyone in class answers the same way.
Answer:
{"hour": 7, "minute": 33}
